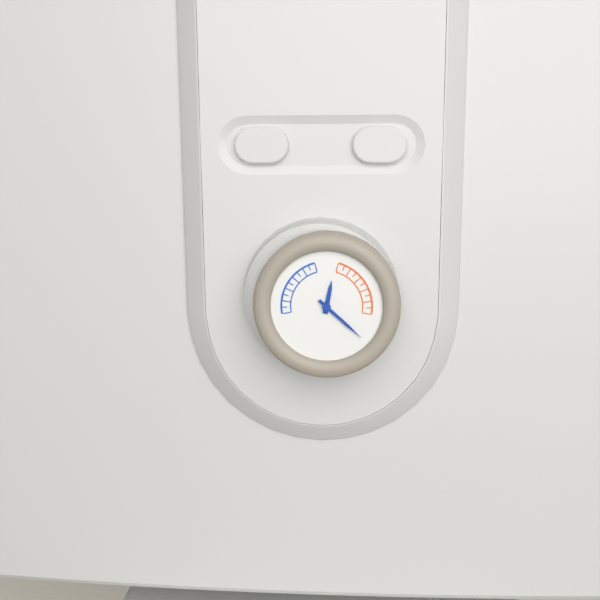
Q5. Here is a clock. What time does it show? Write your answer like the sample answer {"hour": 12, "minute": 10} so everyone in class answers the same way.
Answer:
{"hour": 12, "minute": 22}
